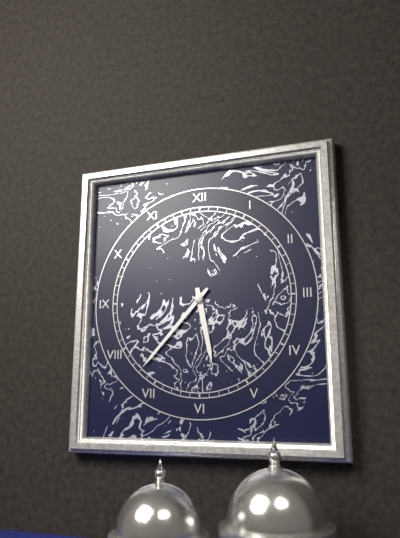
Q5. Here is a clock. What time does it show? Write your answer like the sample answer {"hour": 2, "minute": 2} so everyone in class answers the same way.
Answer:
{"hour": 5, "minute": 37}
